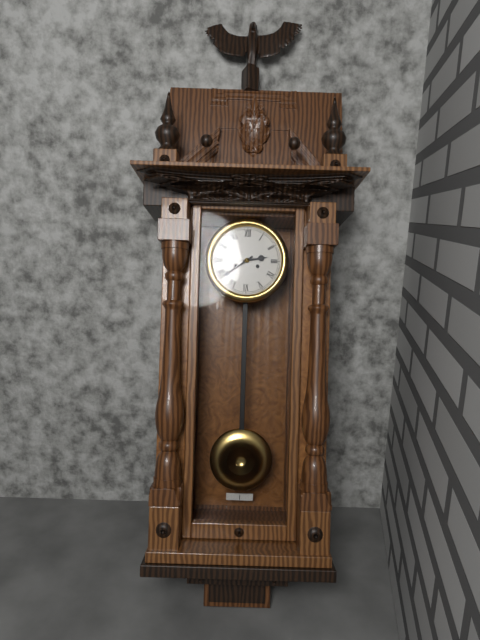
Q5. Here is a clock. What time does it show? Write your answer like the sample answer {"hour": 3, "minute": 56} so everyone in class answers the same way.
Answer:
{"hour": 2, "minute": 39}
